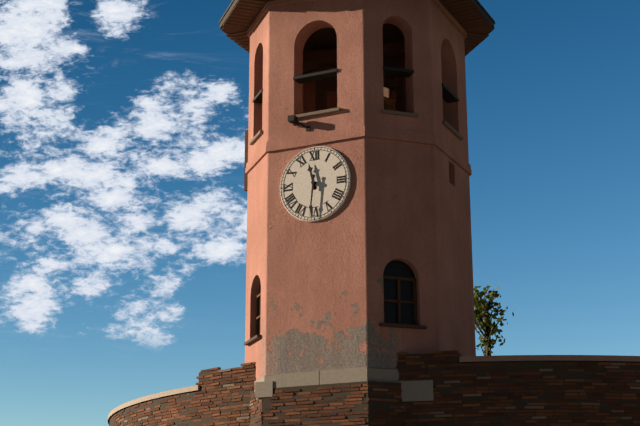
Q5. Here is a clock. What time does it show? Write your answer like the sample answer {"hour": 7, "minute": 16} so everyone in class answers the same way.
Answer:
{"hour": 11, "minute": 31}
